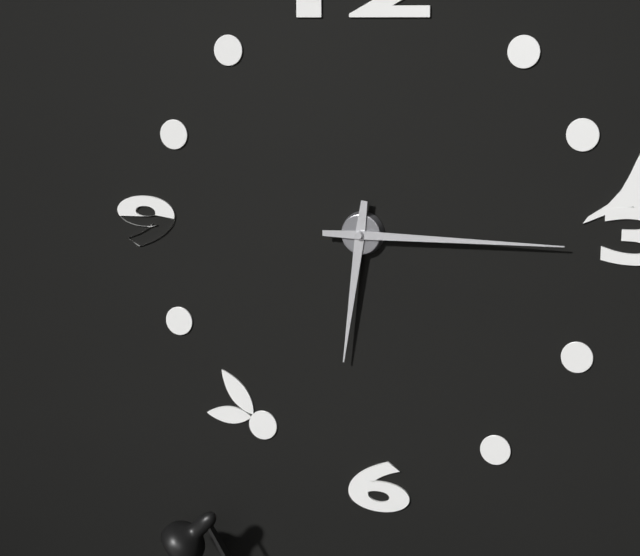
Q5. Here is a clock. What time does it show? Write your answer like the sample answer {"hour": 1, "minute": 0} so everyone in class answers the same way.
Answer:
{"hour": 6, "minute": 15}
